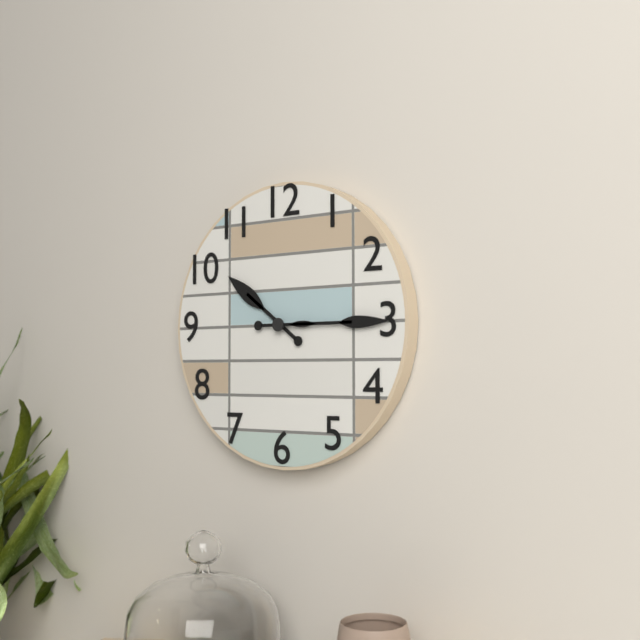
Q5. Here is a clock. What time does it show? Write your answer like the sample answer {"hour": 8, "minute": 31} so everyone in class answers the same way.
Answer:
{"hour": 10, "minute": 15}
